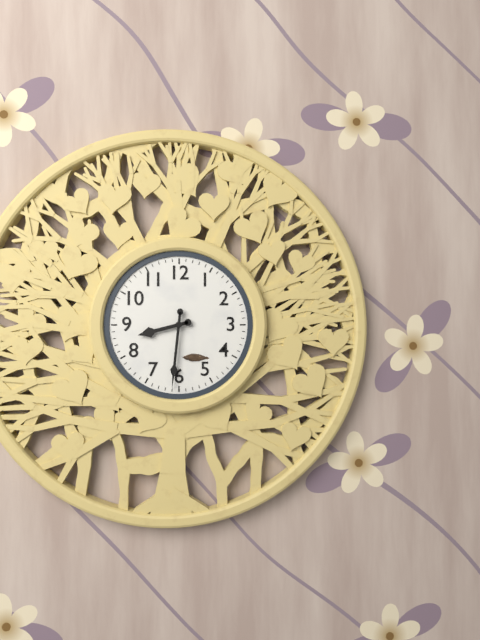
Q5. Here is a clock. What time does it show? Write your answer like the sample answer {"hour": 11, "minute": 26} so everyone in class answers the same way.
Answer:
{"hour": 8, "minute": 31}
